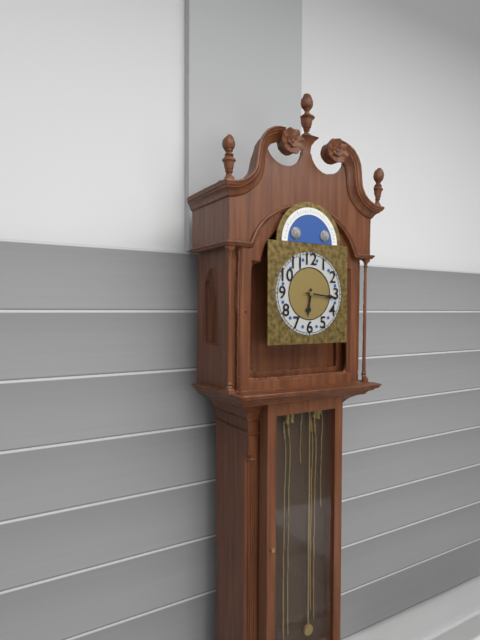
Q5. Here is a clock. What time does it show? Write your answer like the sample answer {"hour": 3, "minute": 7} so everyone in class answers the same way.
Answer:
{"hour": 6, "minute": 16}
